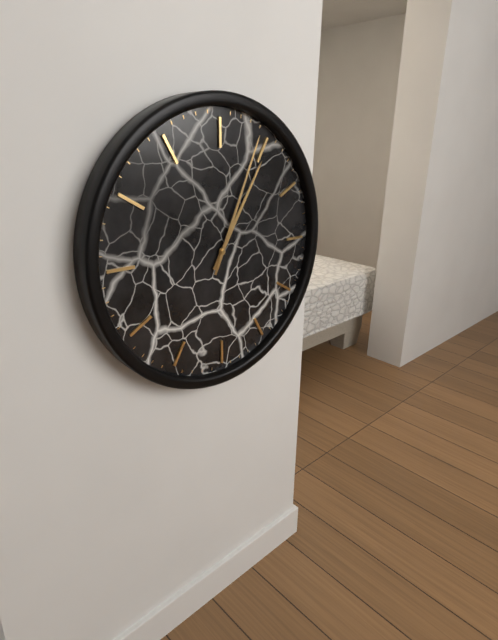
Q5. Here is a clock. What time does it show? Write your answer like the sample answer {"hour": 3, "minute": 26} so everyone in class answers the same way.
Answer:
{"hour": 1, "minute": 4}
